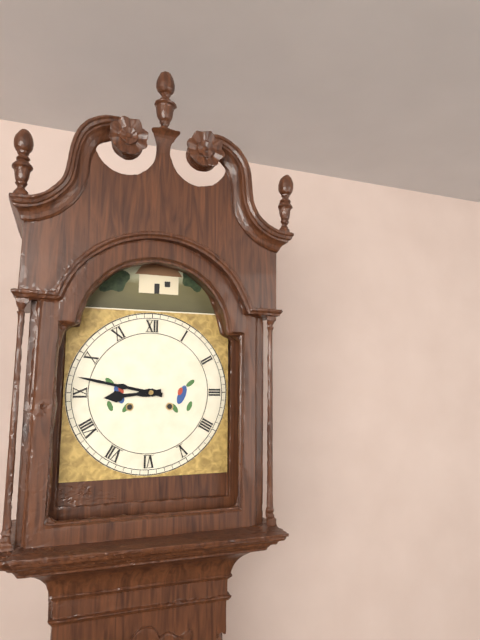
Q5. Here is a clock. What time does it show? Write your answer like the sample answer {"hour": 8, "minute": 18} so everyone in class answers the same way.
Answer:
{"hour": 8, "minute": 47}
